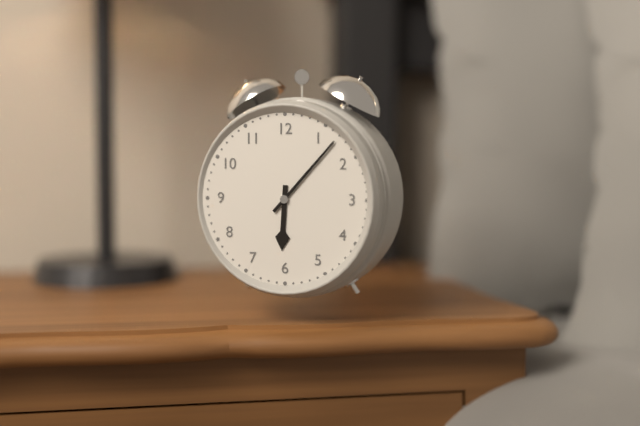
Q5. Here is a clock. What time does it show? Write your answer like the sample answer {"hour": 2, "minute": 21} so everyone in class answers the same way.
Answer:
{"hour": 6, "minute": 7}
